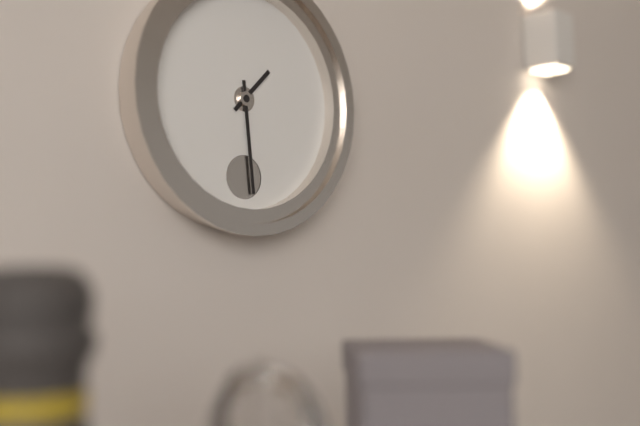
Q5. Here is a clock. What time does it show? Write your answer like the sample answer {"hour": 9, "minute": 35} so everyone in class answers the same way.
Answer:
{"hour": 1, "minute": 29}
